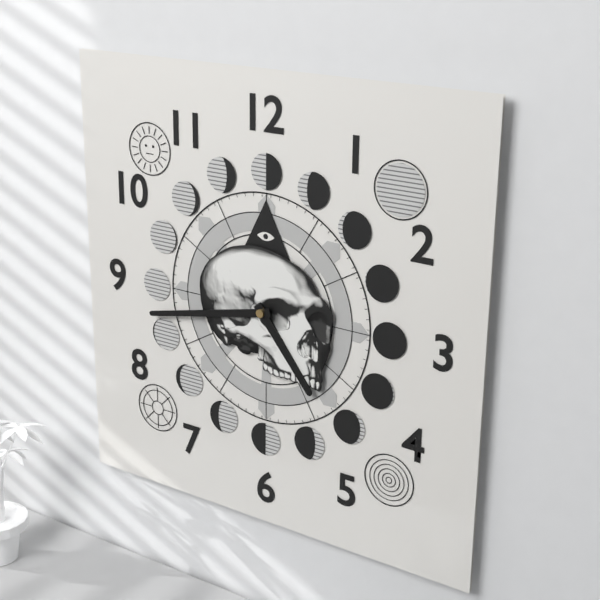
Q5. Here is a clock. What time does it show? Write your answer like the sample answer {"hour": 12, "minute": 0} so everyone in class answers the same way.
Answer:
{"hour": 4, "minute": 43}
